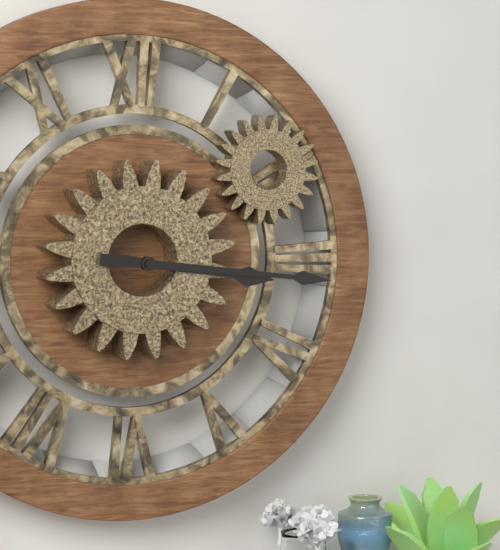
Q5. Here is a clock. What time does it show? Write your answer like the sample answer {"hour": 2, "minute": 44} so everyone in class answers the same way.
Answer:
{"hour": 3, "minute": 16}
